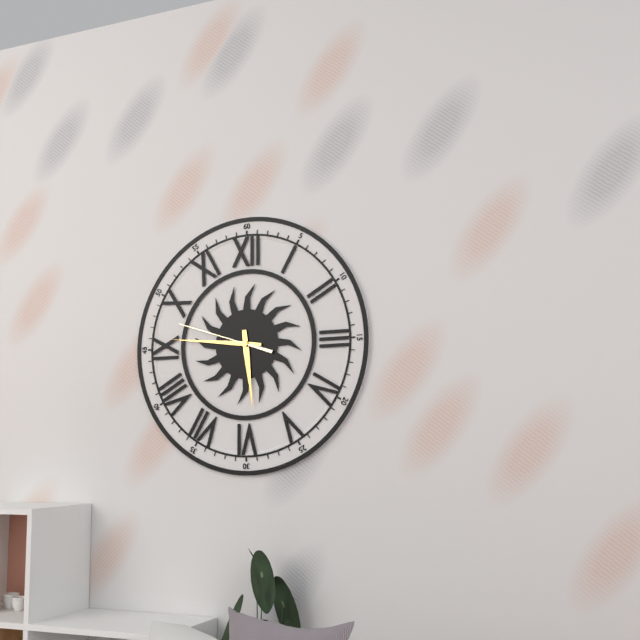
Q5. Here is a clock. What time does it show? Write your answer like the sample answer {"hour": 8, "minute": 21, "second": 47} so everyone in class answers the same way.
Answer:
{"hour": 5, "minute": 46, "second": 48}
